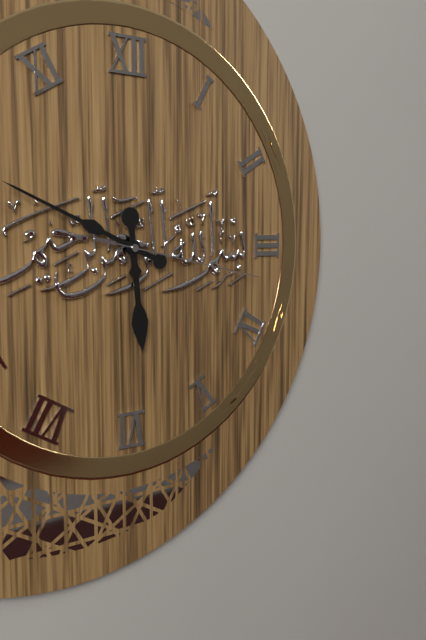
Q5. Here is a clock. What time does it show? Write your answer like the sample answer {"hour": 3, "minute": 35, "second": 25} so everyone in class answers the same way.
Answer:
{"hour": 5, "minute": 49, "second": 17}
